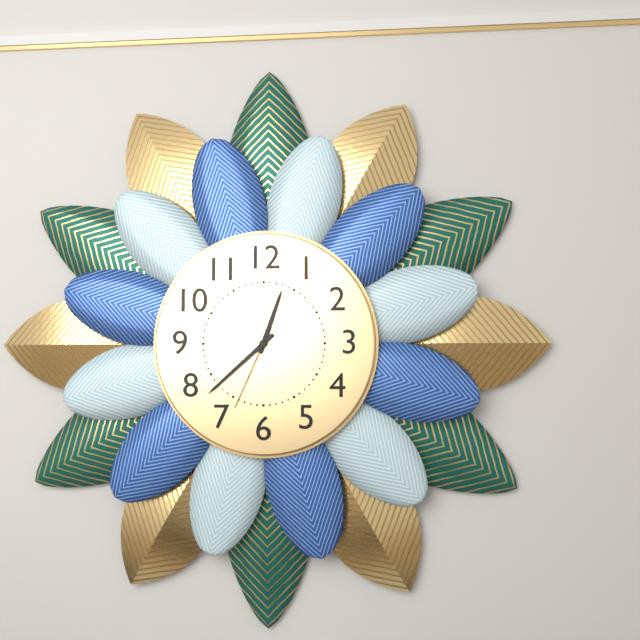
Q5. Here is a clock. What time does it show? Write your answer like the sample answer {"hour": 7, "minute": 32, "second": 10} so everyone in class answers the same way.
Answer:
{"hour": 12, "minute": 38, "second": 34}
